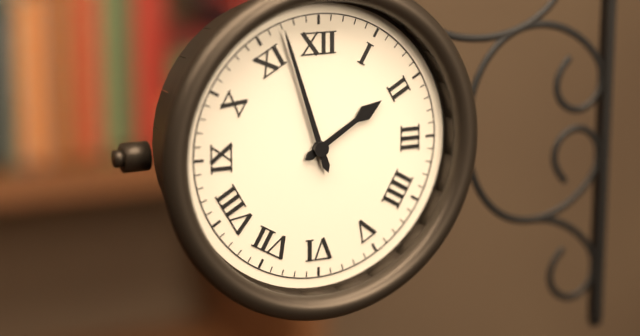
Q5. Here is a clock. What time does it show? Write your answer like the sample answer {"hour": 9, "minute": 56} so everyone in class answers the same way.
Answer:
{"hour": 1, "minute": 57}
